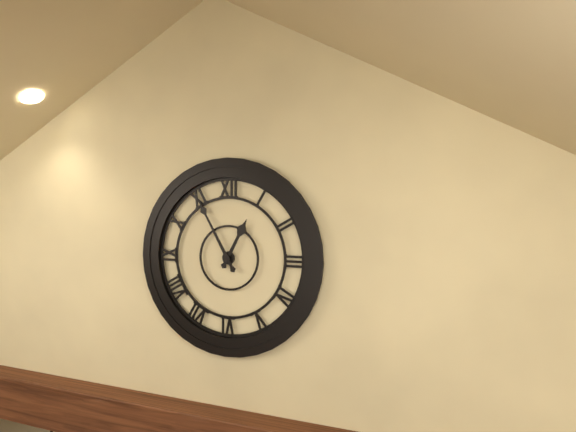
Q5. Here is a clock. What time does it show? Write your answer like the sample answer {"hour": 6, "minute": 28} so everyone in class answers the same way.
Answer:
{"hour": 12, "minute": 55}
